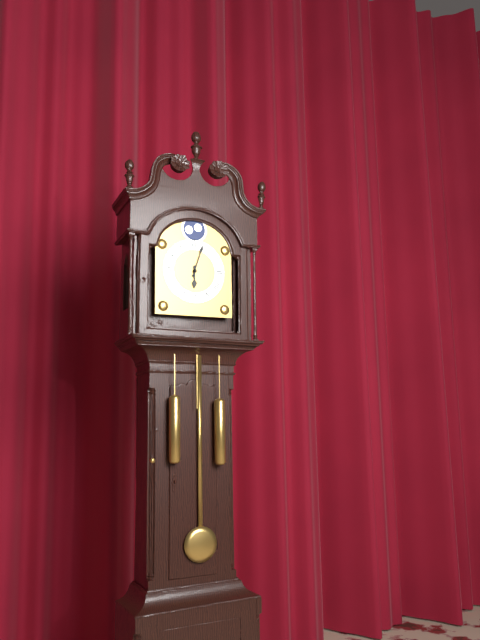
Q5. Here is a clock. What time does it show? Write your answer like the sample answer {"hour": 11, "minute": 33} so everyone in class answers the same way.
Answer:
{"hour": 6, "minute": 3}
